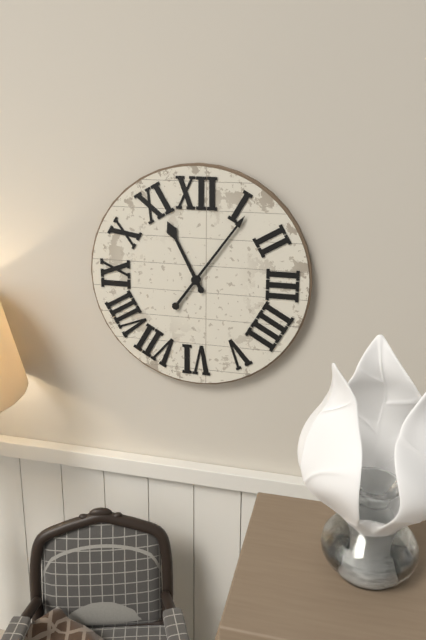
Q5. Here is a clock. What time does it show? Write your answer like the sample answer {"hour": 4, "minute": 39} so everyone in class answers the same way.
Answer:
{"hour": 11, "minute": 6}
